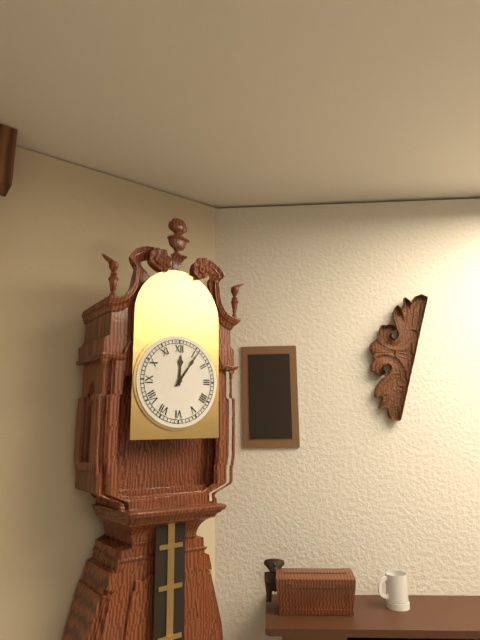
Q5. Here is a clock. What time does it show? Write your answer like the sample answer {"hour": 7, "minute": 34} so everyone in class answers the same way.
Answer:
{"hour": 12, "minute": 6}
